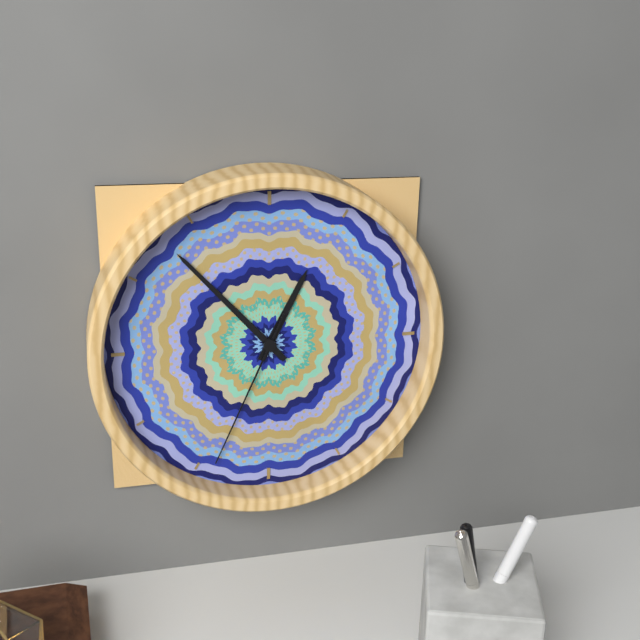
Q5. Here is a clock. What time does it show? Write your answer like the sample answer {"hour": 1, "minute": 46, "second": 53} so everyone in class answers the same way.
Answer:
{"hour": 12, "minute": 53, "second": 34}
